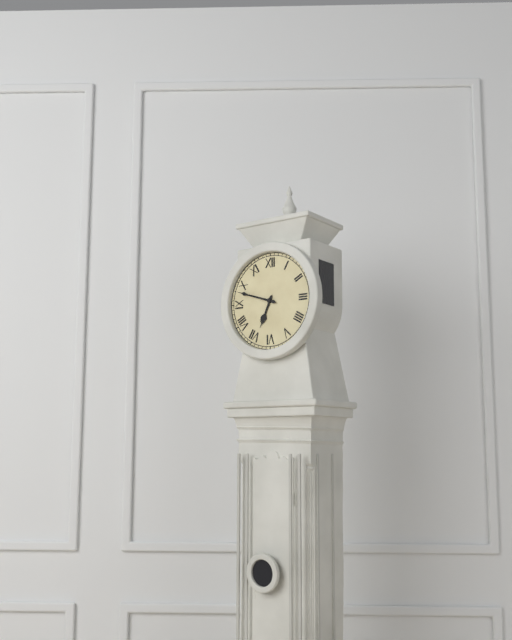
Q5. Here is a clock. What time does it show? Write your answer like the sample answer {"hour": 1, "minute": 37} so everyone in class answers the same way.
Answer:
{"hour": 6, "minute": 48}
